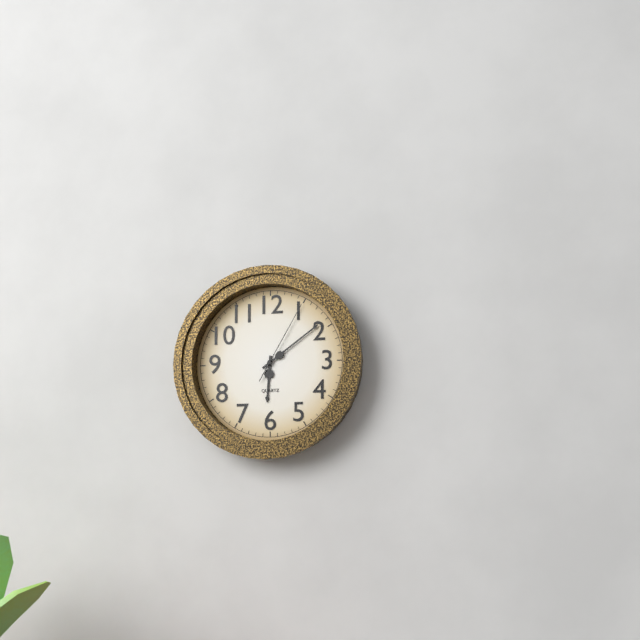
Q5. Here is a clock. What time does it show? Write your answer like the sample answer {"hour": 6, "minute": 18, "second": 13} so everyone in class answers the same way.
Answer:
{"hour": 6, "minute": 9, "second": 5}
